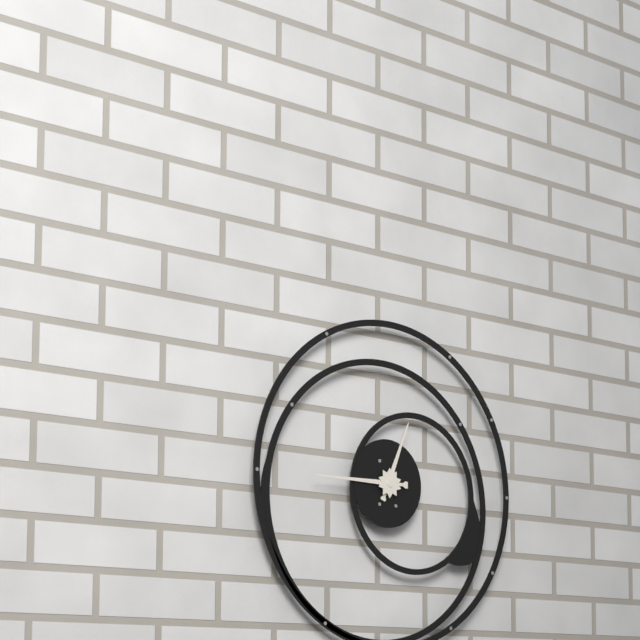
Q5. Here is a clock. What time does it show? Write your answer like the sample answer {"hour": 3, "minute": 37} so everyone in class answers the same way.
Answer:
{"hour": 12, "minute": 45}
